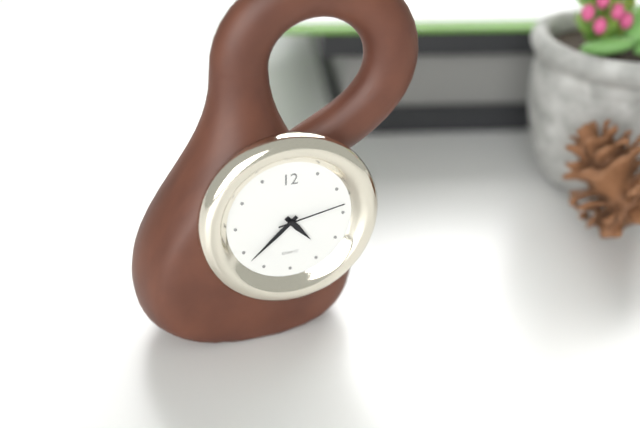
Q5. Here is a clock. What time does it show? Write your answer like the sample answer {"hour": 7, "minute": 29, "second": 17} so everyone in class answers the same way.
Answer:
{"hour": 4, "minute": 38, "second": 13}
